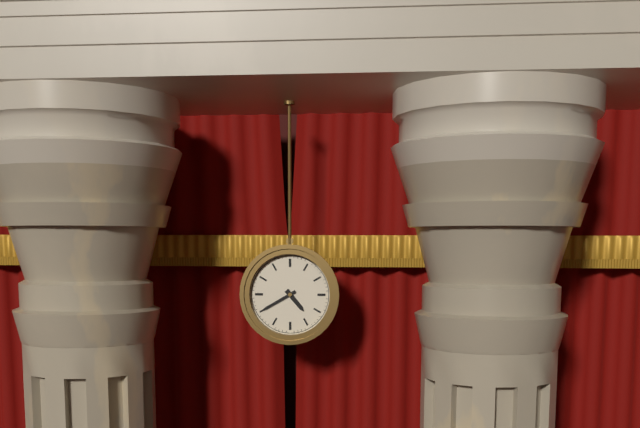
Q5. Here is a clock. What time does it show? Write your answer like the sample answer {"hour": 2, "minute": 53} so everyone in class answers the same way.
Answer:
{"hour": 4, "minute": 40}
